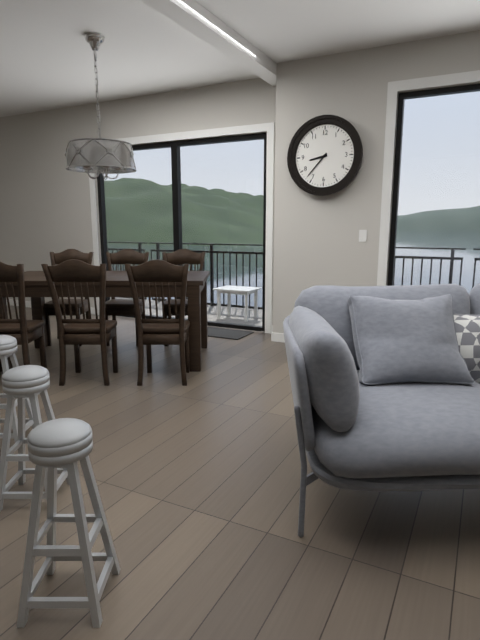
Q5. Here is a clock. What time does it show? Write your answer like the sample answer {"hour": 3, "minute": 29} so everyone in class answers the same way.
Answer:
{"hour": 8, "minute": 37}
